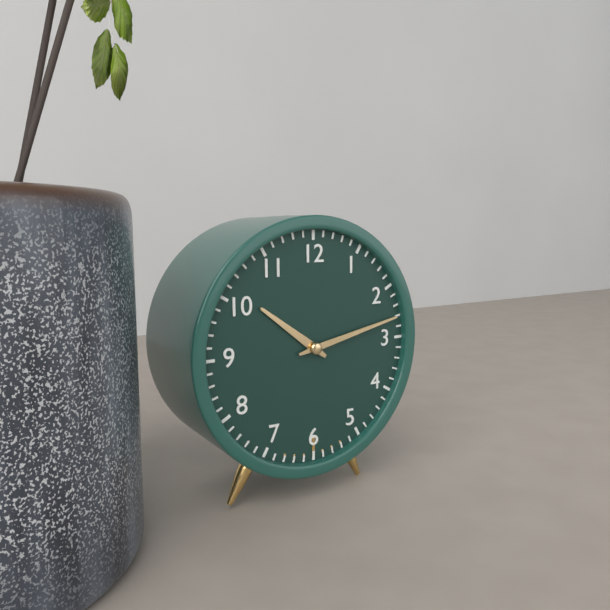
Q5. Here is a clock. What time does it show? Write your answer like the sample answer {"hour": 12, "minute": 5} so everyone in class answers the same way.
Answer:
{"hour": 10, "minute": 13}
